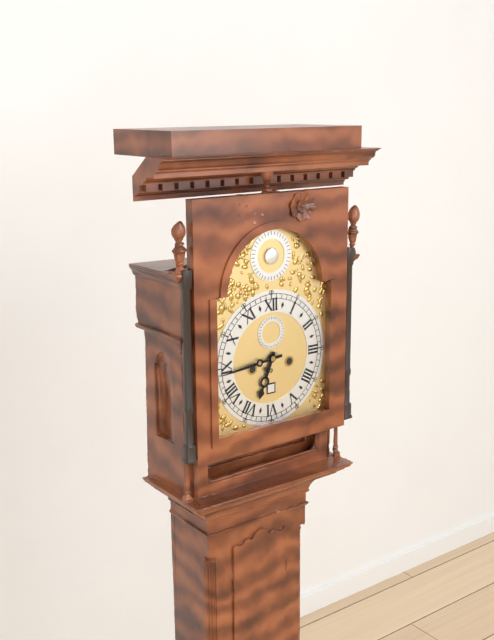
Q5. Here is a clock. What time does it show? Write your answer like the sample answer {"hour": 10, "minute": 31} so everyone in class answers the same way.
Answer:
{"hour": 6, "minute": 44}
